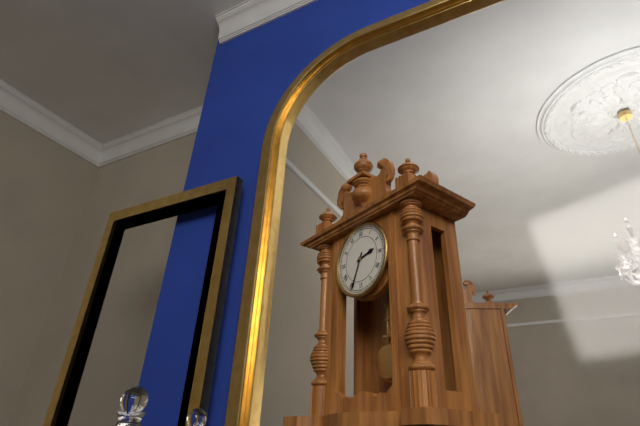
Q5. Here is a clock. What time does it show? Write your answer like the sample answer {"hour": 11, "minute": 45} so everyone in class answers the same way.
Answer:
{"hour": 2, "minute": 34}
